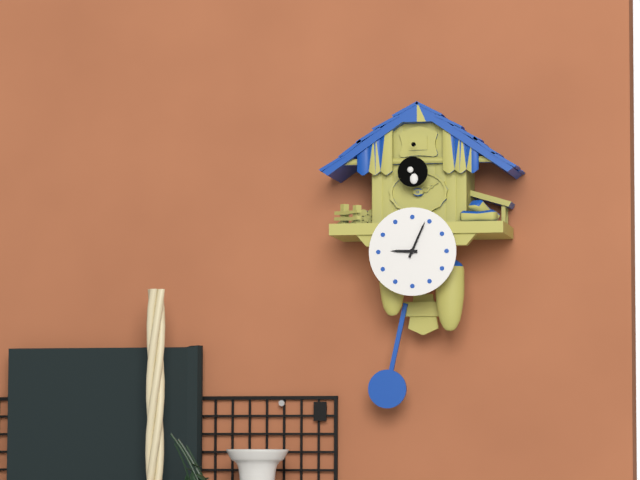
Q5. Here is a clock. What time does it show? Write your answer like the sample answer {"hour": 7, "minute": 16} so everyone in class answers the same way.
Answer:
{"hour": 9, "minute": 4}
